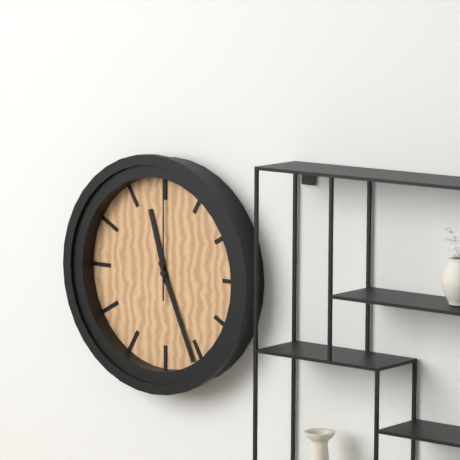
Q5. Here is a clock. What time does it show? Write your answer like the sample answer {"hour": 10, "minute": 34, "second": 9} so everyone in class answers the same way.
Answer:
{"hour": 11, "minute": 26, "second": 0}
